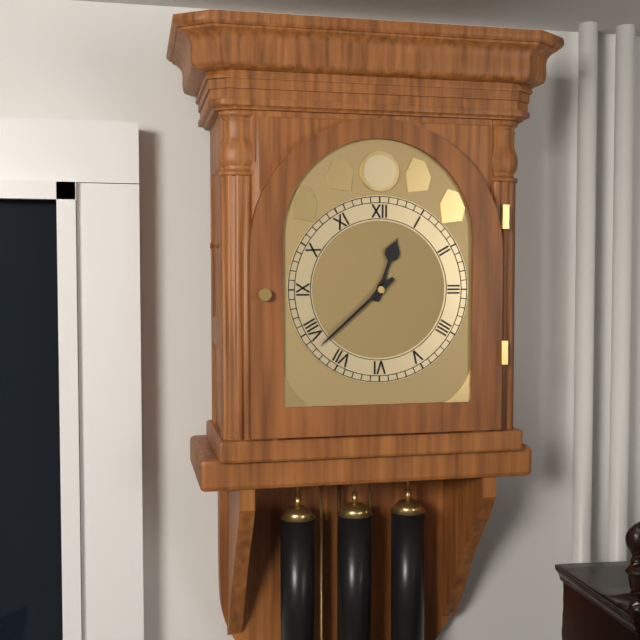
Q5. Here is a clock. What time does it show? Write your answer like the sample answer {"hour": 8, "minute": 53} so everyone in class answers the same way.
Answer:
{"hour": 12, "minute": 38}
